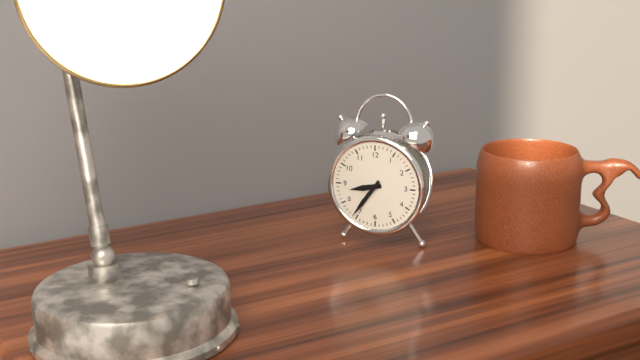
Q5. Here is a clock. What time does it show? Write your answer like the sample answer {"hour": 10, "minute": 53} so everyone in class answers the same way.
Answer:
{"hour": 8, "minute": 36}
